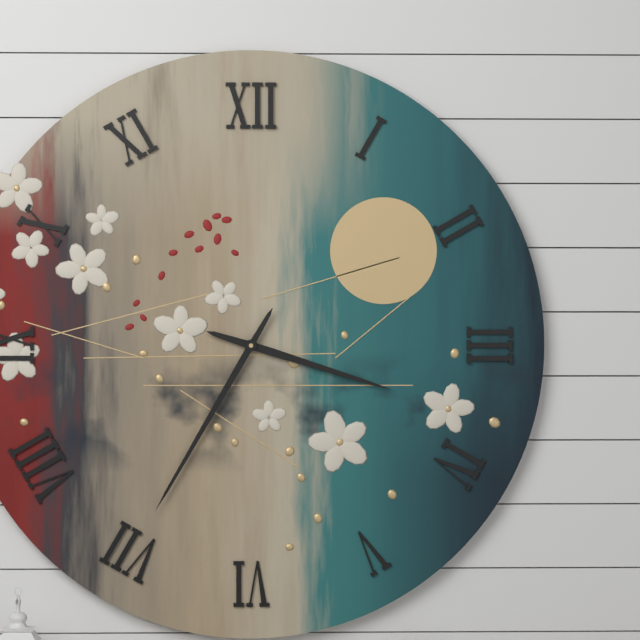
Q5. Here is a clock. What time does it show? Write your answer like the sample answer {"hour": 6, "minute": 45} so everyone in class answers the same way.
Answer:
{"hour": 3, "minute": 35}
